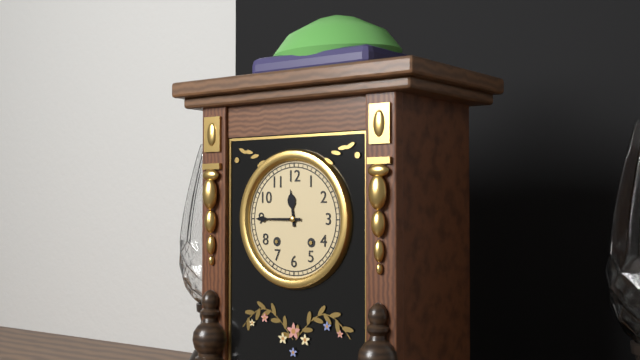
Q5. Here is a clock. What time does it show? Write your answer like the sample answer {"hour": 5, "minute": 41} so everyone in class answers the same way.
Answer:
{"hour": 11, "minute": 45}
